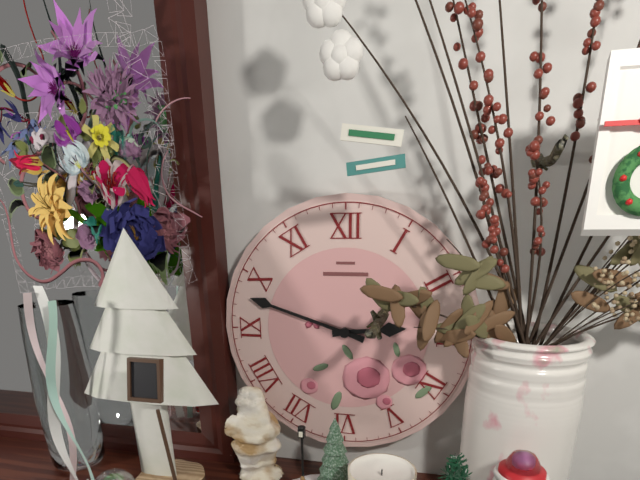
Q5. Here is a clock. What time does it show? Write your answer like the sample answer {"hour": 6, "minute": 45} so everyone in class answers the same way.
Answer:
{"hour": 2, "minute": 48}
